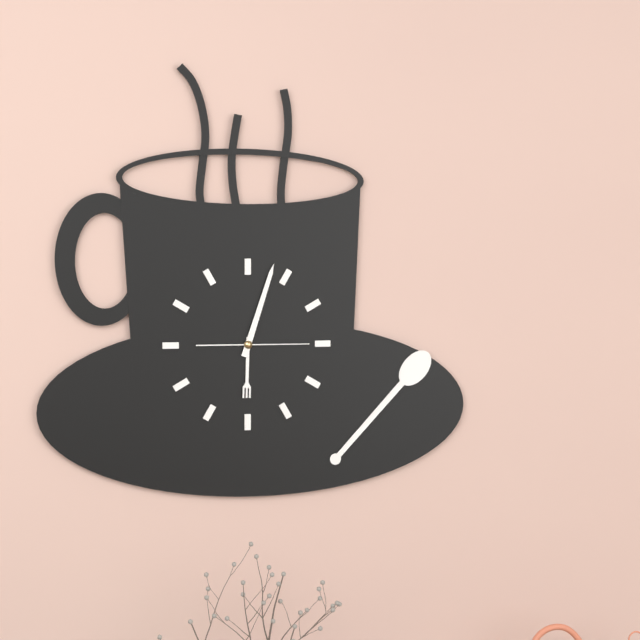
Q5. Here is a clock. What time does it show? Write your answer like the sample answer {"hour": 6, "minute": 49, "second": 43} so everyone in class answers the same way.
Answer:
{"hour": 6, "minute": 3, "second": 15}
